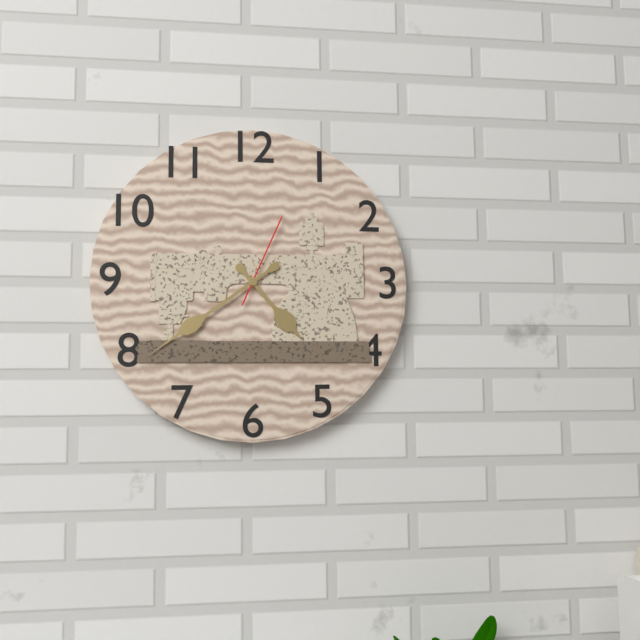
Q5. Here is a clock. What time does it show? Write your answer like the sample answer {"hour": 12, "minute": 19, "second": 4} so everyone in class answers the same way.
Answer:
{"hour": 4, "minute": 39, "second": 4}
